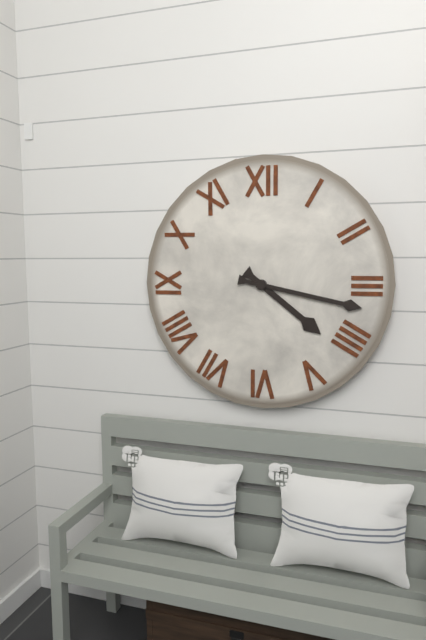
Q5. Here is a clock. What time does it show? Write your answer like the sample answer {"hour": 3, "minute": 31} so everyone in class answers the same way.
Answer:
{"hour": 4, "minute": 17}
